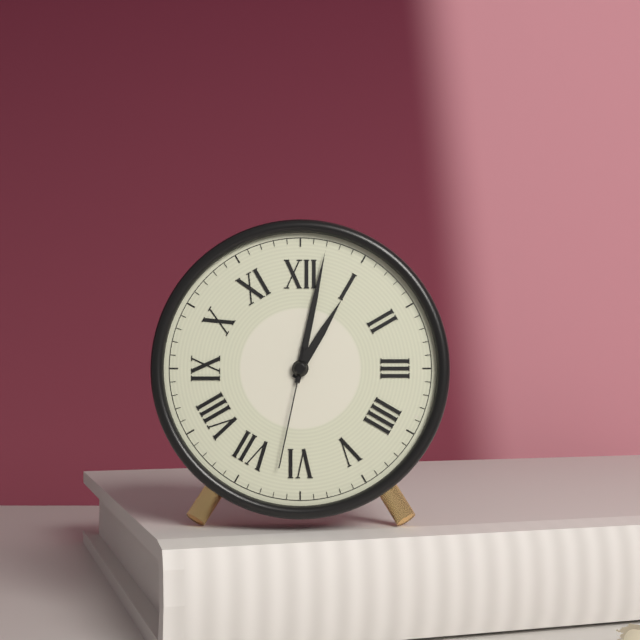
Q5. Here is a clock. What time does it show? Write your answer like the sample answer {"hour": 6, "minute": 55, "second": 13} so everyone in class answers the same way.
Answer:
{"hour": 1, "minute": 2, "second": 32}
